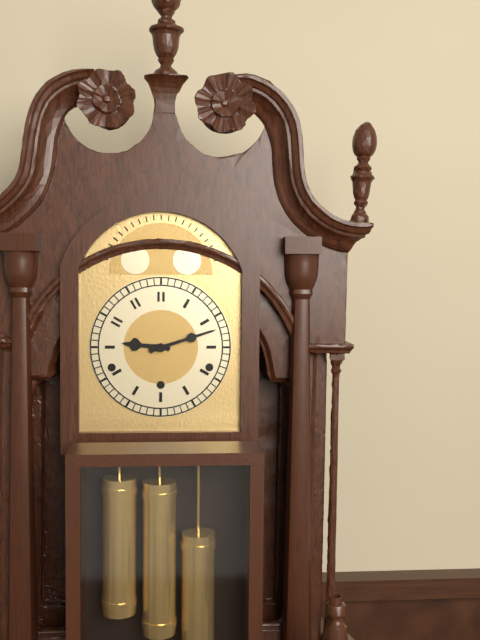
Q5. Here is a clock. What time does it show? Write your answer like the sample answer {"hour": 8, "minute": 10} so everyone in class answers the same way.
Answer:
{"hour": 9, "minute": 12}
